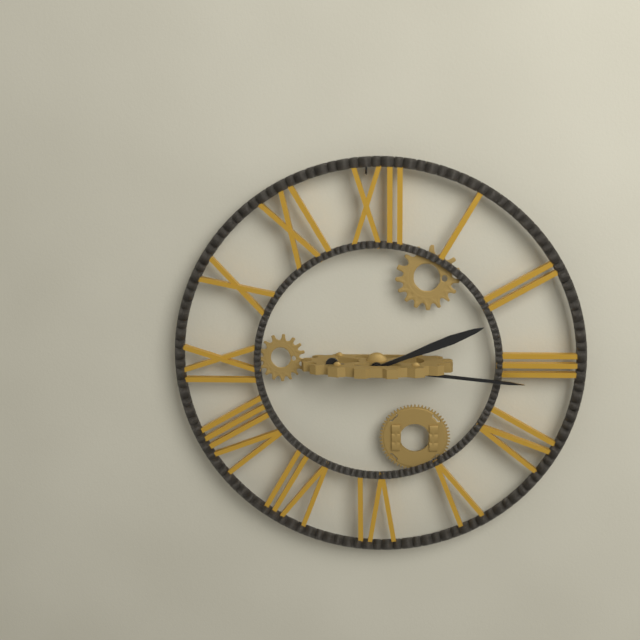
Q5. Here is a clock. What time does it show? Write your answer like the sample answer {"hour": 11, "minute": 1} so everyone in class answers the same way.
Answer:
{"hour": 2, "minute": 16}
